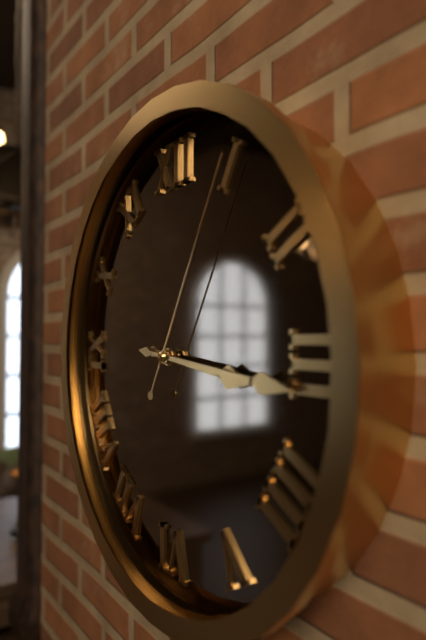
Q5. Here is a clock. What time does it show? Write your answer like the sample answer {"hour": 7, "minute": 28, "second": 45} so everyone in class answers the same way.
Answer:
{"hour": 3, "minute": 16, "second": 5}
